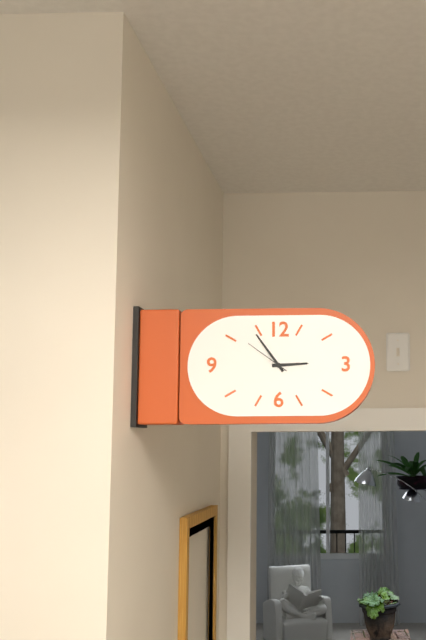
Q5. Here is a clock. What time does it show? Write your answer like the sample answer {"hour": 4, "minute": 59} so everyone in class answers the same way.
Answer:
{"hour": 2, "minute": 54}
